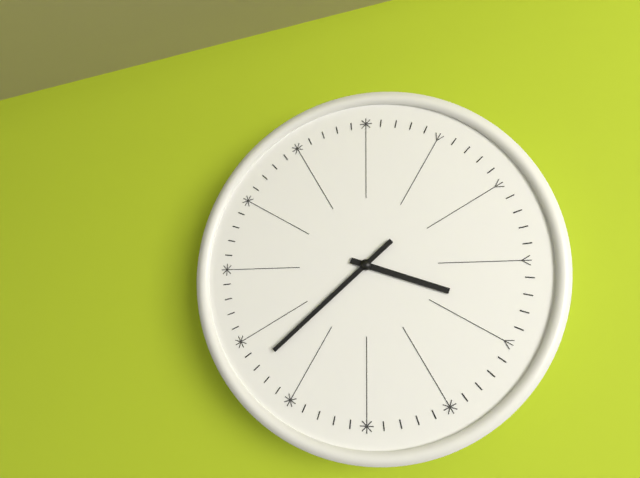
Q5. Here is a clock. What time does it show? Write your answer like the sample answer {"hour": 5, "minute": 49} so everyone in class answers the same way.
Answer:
{"hour": 3, "minute": 38}
